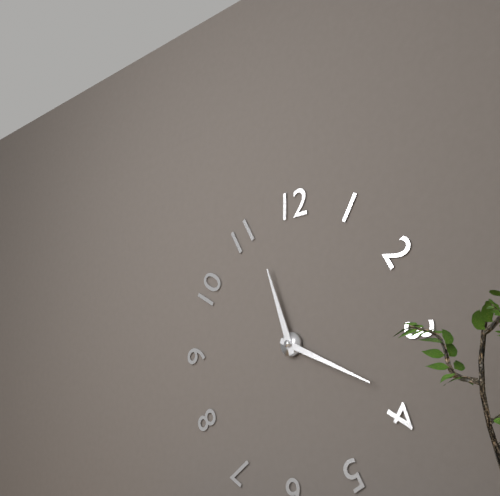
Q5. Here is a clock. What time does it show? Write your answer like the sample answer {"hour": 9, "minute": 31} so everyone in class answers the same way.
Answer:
{"hour": 11, "minute": 19}
